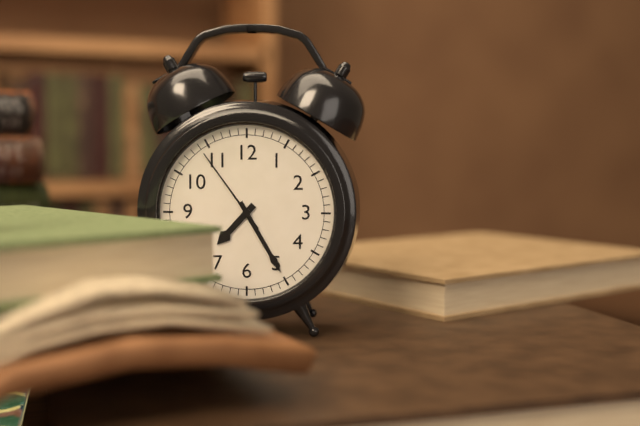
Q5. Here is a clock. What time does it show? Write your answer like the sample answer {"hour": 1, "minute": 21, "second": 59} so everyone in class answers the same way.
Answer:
{"hour": 7, "minute": 25, "second": 54}
